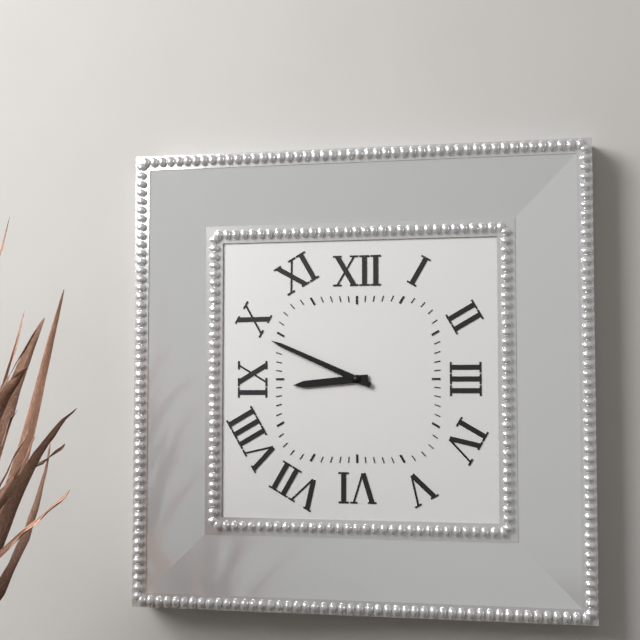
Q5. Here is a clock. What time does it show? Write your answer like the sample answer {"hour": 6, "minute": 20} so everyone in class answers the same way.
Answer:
{"hour": 8, "minute": 49}
